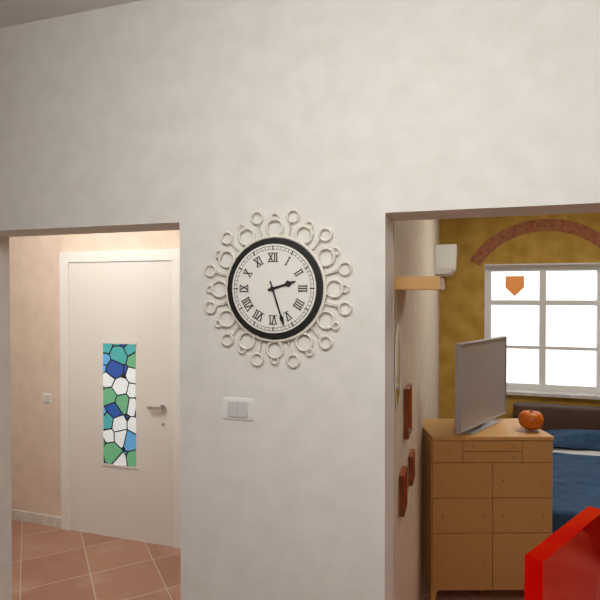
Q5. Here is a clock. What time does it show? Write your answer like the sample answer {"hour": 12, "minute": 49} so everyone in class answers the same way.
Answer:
{"hour": 2, "minute": 27}
